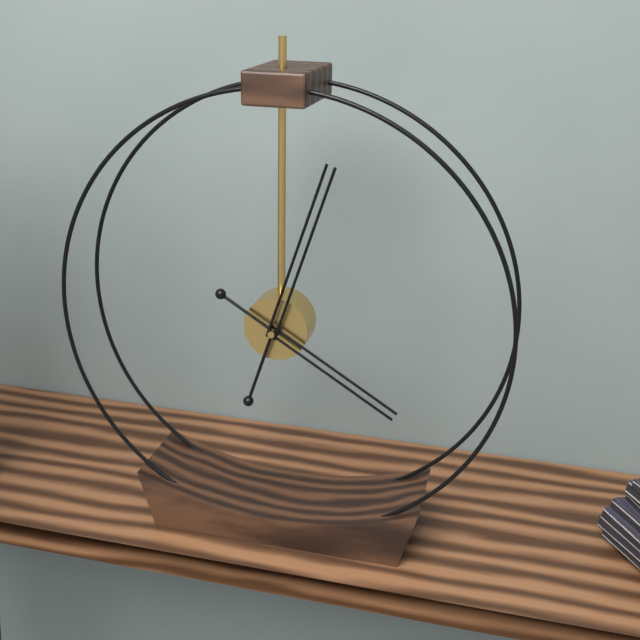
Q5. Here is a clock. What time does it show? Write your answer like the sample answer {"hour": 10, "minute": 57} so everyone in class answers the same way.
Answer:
{"hour": 4, "minute": 3}
